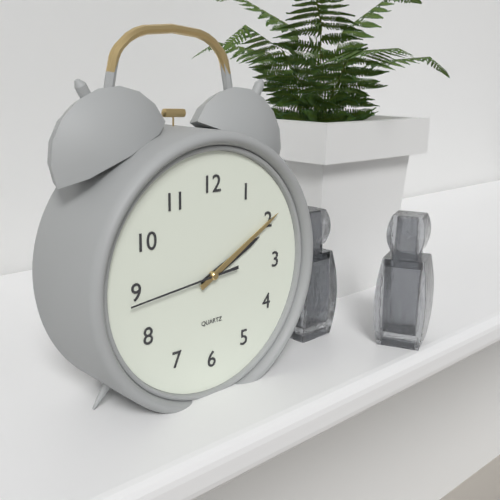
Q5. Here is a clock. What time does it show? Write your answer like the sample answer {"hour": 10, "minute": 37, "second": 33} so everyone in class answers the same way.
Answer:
{"hour": 2, "minute": 10, "second": 44}
